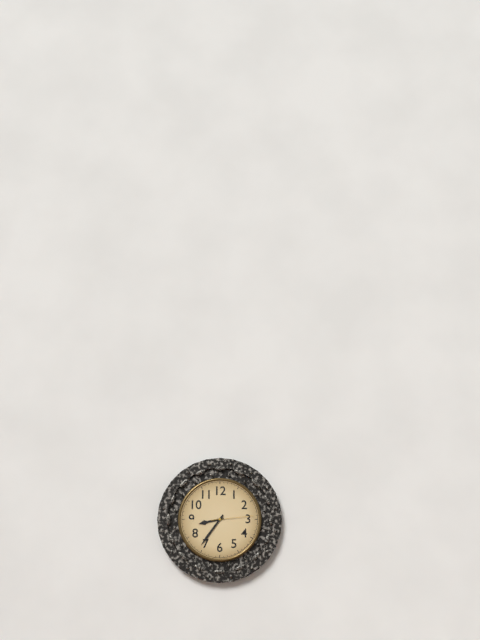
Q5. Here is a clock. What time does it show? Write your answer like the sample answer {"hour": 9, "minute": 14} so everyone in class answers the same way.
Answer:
{"hour": 8, "minute": 36}
